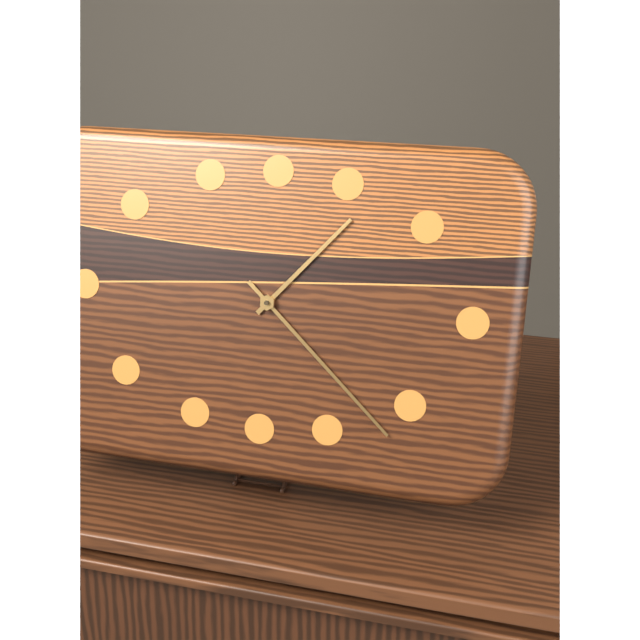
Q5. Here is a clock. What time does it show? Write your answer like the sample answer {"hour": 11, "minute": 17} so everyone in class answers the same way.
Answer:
{"hour": 1, "minute": 22}
